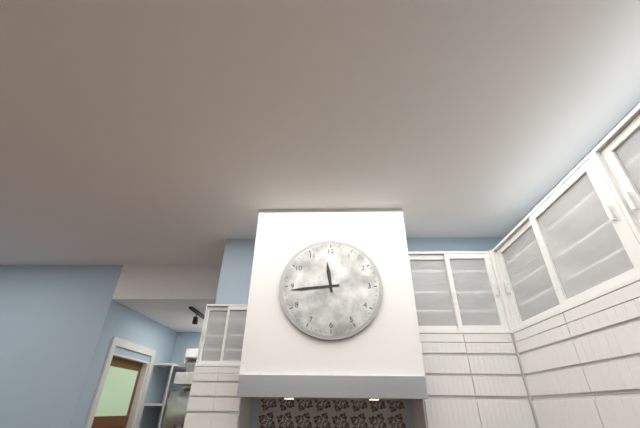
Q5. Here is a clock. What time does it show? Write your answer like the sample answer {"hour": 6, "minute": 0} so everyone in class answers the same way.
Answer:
{"hour": 11, "minute": 44}
